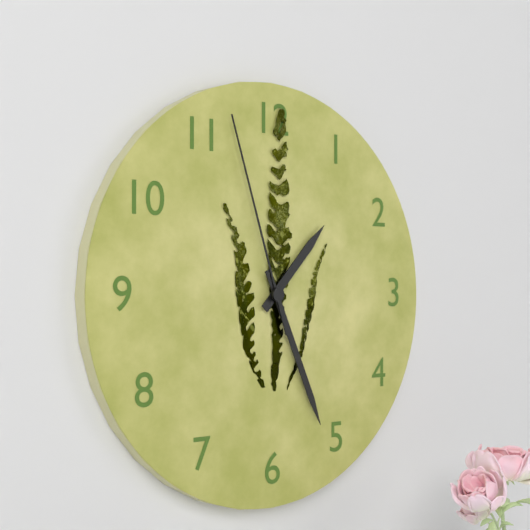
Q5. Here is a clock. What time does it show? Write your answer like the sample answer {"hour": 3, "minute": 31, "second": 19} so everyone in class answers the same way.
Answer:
{"hour": 1, "minute": 26, "second": 57}
